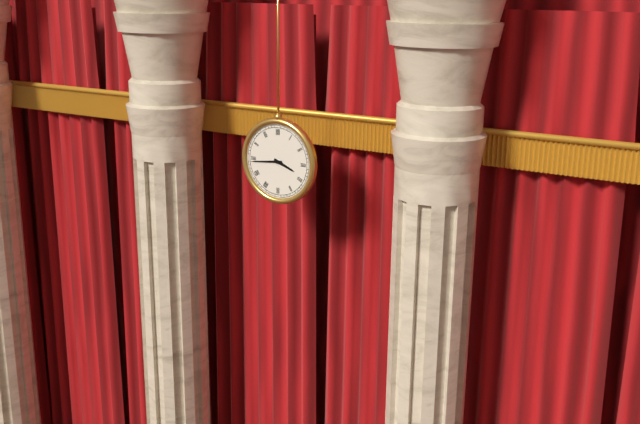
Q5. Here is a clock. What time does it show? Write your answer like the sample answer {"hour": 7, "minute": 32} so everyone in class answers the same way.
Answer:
{"hour": 3, "minute": 44}
